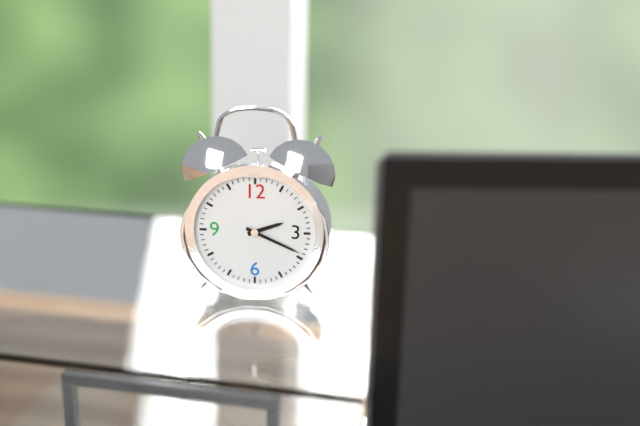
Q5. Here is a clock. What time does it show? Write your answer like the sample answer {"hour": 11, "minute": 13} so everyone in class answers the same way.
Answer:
{"hour": 2, "minute": 19}
